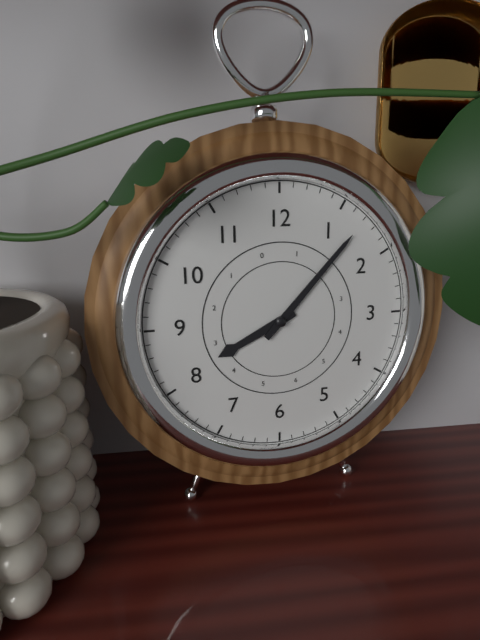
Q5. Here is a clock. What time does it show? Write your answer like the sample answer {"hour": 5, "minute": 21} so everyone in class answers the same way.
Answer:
{"hour": 8, "minute": 7}
